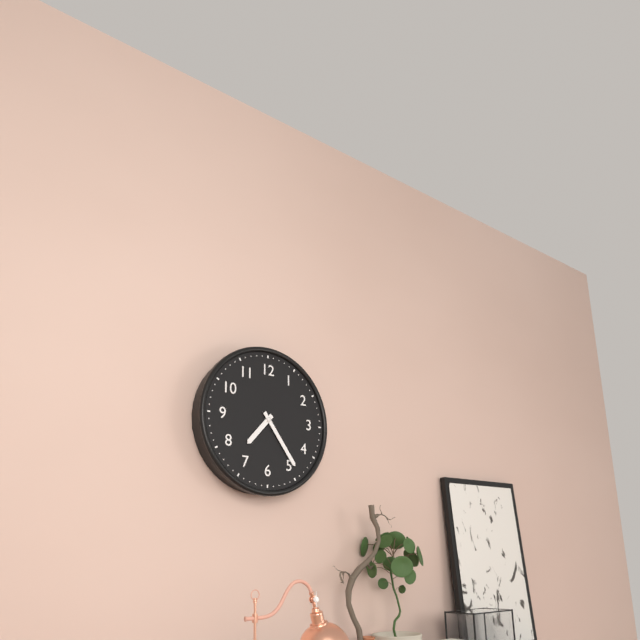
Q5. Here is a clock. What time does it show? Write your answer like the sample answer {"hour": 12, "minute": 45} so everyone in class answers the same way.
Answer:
{"hour": 7, "minute": 24}
